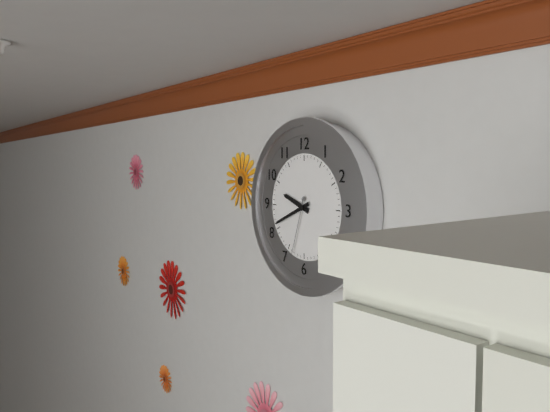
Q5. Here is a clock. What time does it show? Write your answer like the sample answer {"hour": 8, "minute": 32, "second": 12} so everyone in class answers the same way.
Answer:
{"hour": 9, "minute": 41, "second": 33}
